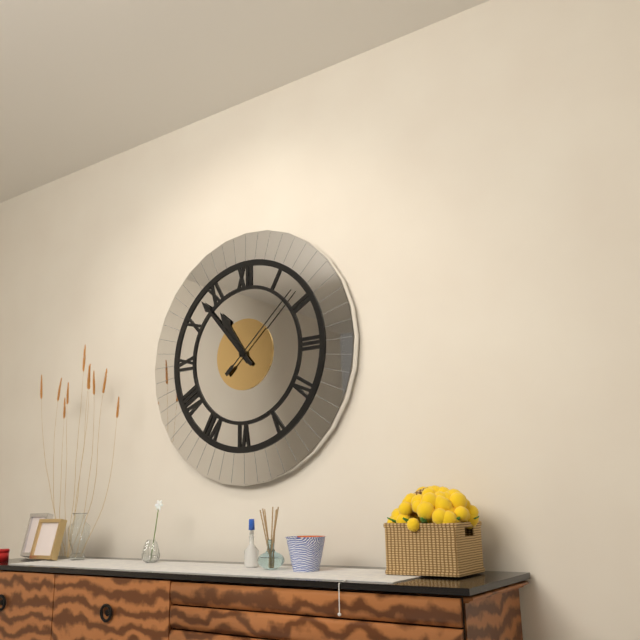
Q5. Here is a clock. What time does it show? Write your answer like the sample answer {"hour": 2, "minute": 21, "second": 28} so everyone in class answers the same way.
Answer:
{"hour": 10, "minute": 53, "second": 8}
